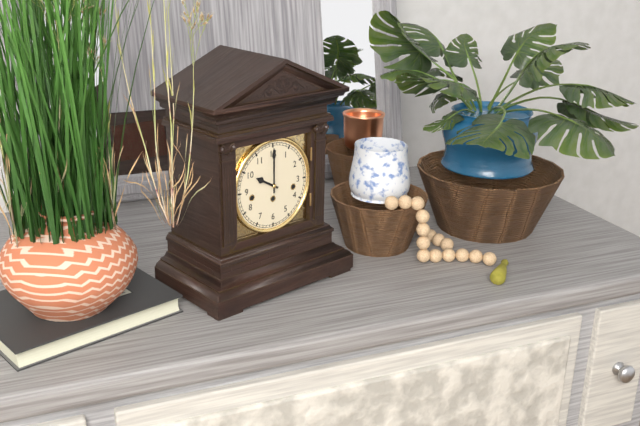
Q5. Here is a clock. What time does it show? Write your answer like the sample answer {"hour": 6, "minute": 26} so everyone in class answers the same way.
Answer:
{"hour": 10, "minute": 0}
